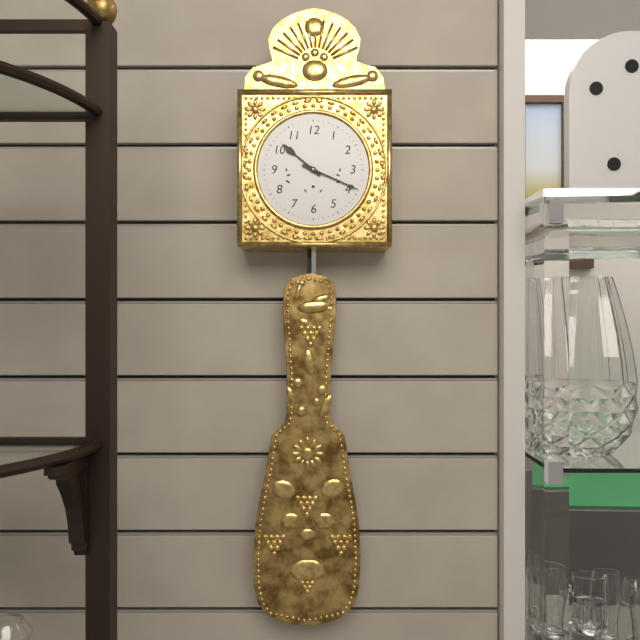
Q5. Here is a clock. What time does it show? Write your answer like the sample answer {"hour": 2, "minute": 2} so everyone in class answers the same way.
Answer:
{"hour": 10, "minute": 19}
